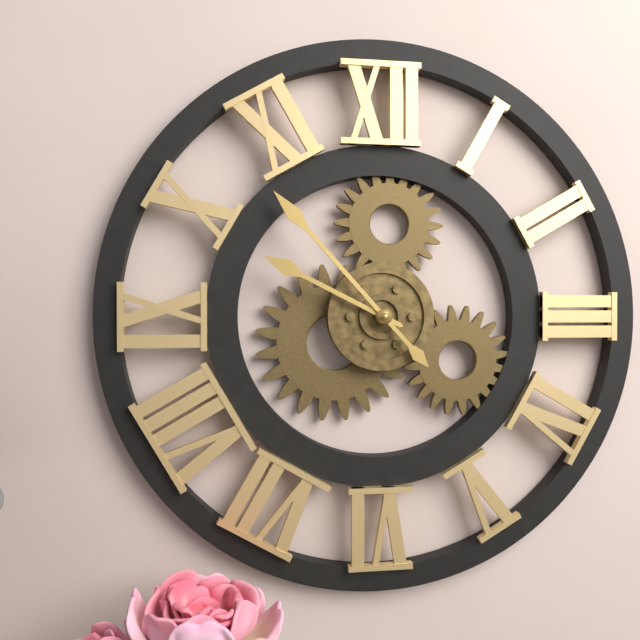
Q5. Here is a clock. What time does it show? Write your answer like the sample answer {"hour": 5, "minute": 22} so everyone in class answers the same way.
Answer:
{"hour": 9, "minute": 53}
